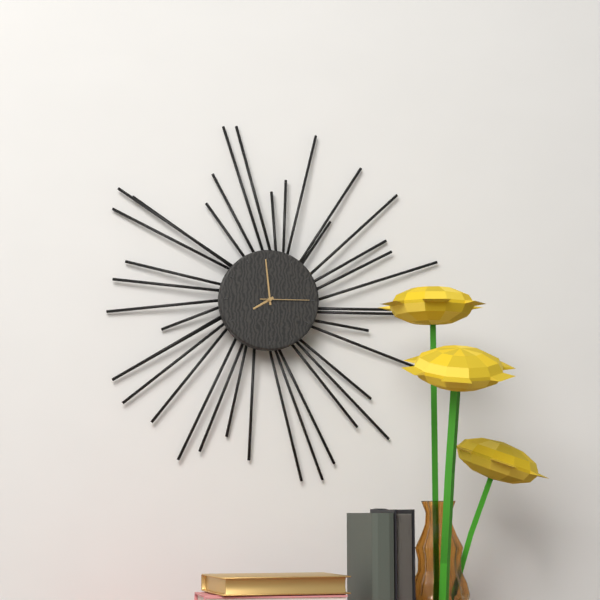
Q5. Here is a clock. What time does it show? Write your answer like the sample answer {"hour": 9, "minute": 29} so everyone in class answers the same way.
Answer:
{"hour": 7, "minute": 59}
